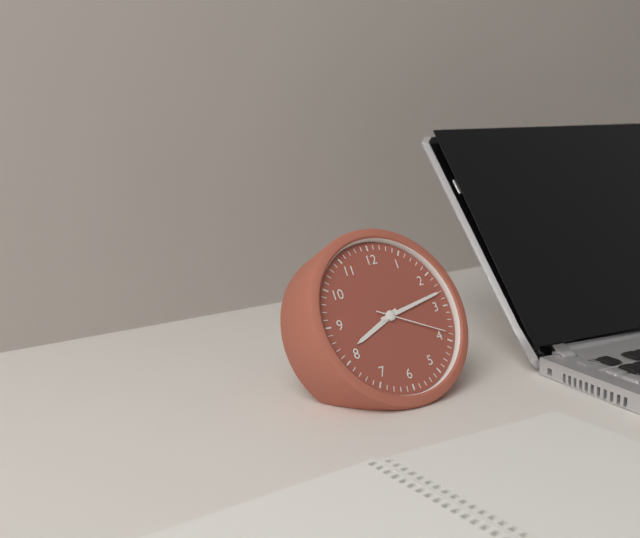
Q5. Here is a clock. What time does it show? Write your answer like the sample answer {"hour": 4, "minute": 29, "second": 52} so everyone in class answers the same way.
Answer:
{"hour": 8, "minute": 13, "second": 19}
